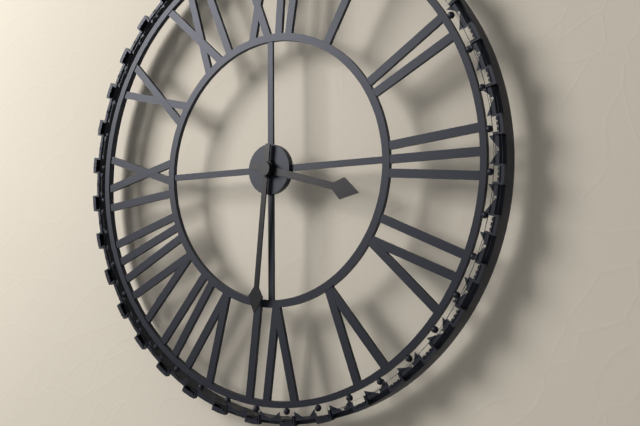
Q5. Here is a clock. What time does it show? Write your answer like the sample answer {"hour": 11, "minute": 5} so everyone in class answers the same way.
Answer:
{"hour": 3, "minute": 31}
